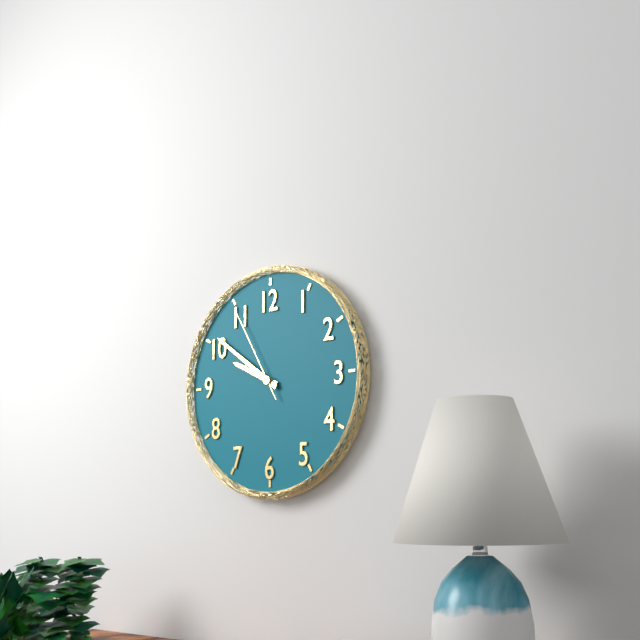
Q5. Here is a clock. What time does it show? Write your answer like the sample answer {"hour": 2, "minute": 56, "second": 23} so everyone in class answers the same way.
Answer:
{"hour": 9, "minute": 51, "second": 55}
